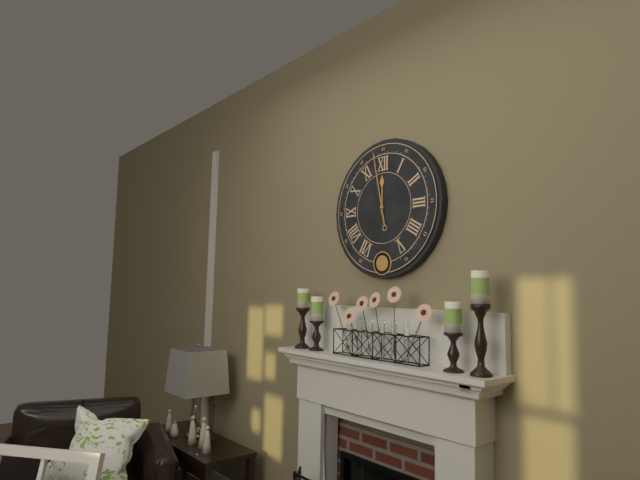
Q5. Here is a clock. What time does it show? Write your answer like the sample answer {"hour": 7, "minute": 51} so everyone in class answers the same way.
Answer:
{"hour": 11, "minute": 58}
